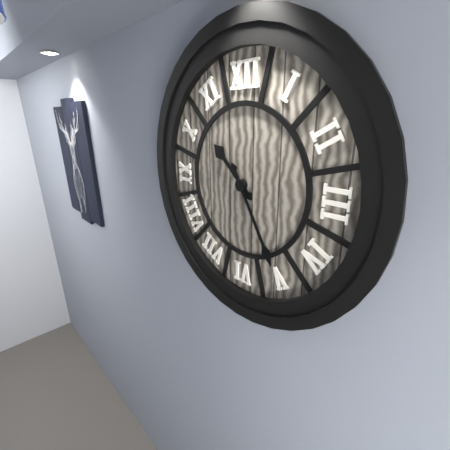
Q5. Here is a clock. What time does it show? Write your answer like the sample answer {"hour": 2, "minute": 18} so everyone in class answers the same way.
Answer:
{"hour": 10, "minute": 25}
